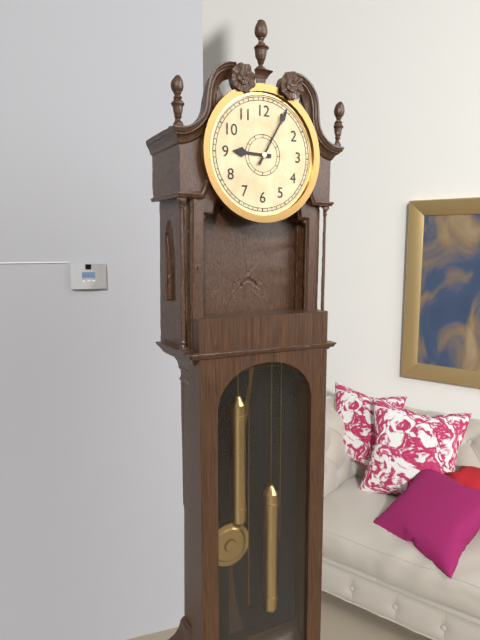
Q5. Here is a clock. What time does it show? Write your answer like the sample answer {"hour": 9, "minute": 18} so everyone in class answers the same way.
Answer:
{"hour": 9, "minute": 5}
